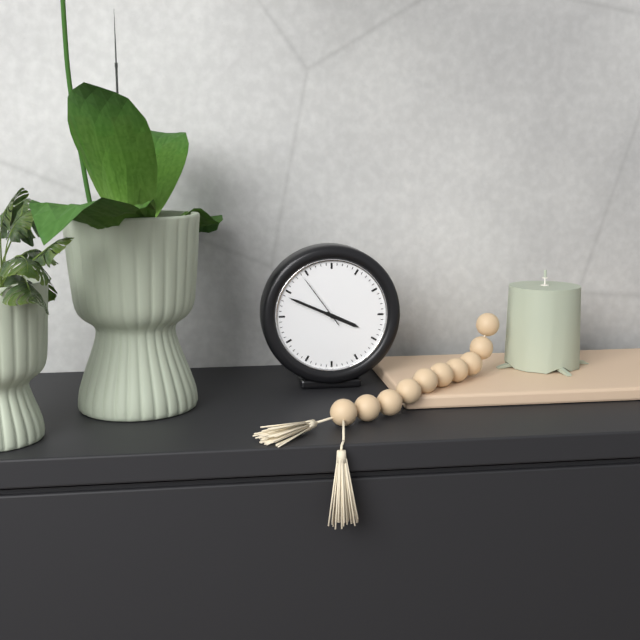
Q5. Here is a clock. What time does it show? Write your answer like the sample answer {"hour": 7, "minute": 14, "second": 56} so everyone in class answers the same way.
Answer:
{"hour": 3, "minute": 49, "second": 54}
